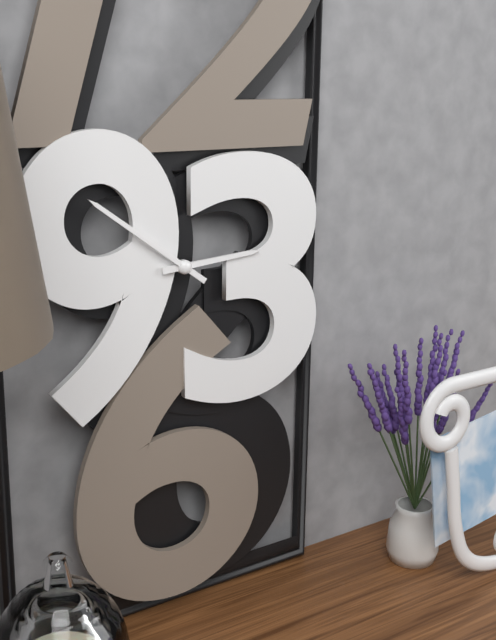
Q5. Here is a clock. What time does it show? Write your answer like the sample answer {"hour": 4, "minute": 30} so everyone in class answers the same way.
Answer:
{"hour": 2, "minute": 51}
